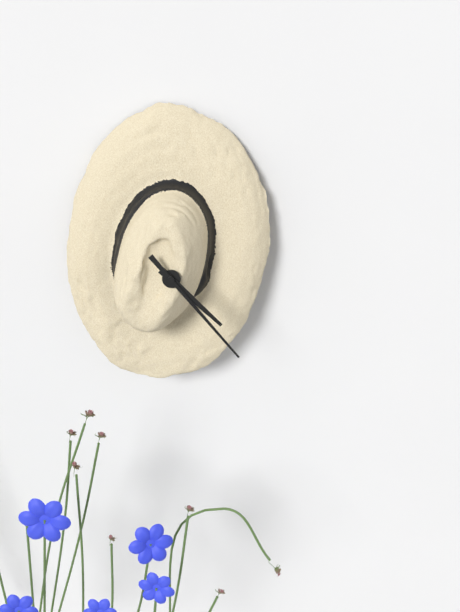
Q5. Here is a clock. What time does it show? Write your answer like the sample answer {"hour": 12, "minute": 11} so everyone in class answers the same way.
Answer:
{"hour": 4, "minute": 23}
